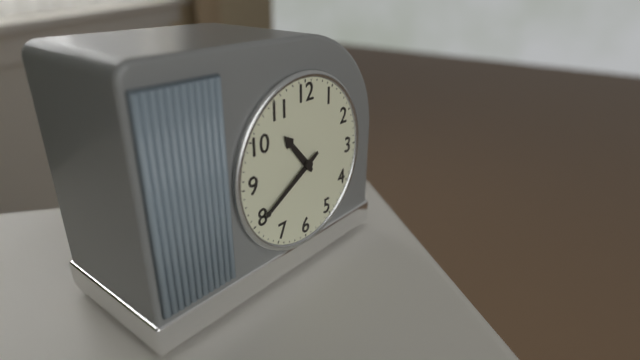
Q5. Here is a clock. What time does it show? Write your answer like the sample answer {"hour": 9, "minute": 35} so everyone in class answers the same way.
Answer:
{"hour": 10, "minute": 40}
